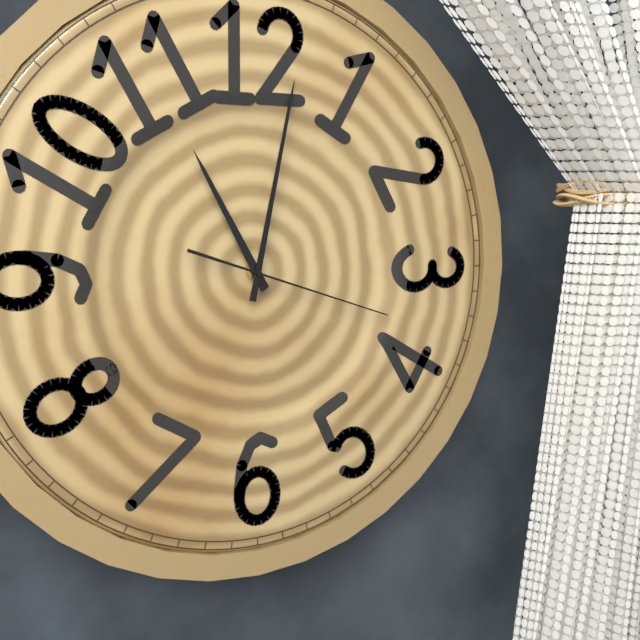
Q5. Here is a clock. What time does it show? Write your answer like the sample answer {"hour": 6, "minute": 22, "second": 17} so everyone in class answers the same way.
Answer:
{"hour": 11, "minute": 2, "second": 18}
